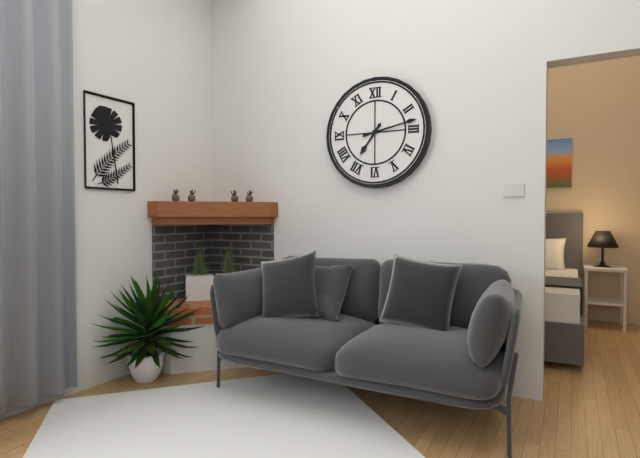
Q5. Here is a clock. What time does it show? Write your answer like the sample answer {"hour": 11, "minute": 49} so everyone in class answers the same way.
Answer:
{"hour": 7, "minute": 13}
